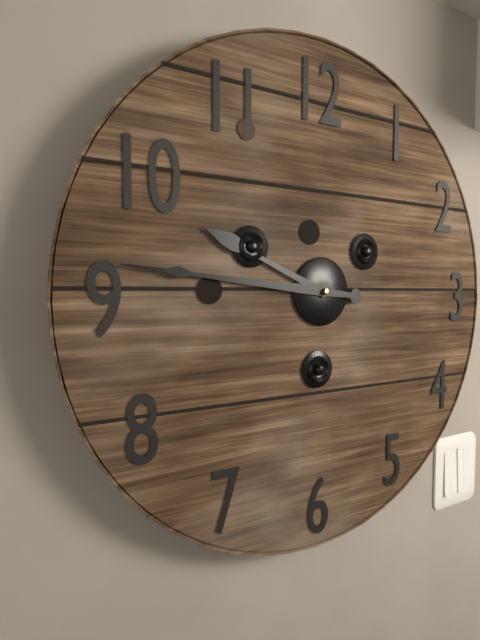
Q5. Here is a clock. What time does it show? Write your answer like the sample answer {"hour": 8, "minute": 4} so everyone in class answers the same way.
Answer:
{"hour": 9, "minute": 46}
